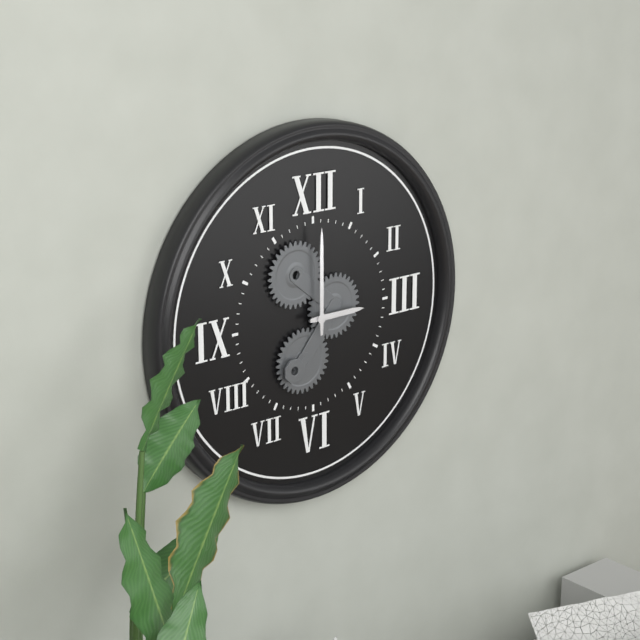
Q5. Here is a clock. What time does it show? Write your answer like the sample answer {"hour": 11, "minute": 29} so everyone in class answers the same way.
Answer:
{"hour": 3, "minute": 0}
